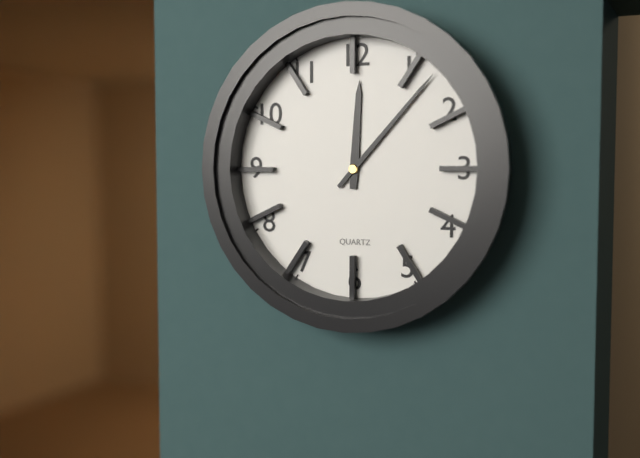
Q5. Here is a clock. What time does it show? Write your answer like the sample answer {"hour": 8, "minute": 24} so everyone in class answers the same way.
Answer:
{"hour": 12, "minute": 7}
